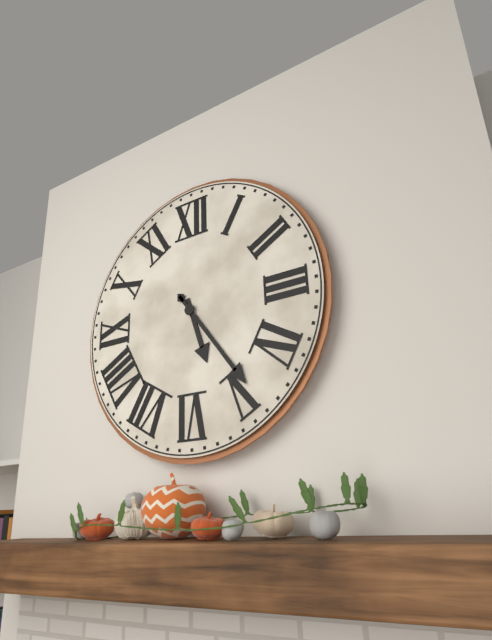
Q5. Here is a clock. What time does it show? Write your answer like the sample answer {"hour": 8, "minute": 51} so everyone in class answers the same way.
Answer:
{"hour": 5, "minute": 24}
